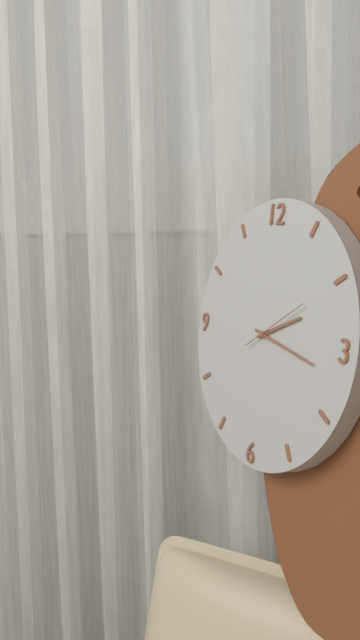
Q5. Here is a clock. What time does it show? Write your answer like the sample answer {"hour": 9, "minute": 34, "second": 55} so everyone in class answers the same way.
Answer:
{"hour": 2, "minute": 17, "second": 10}
